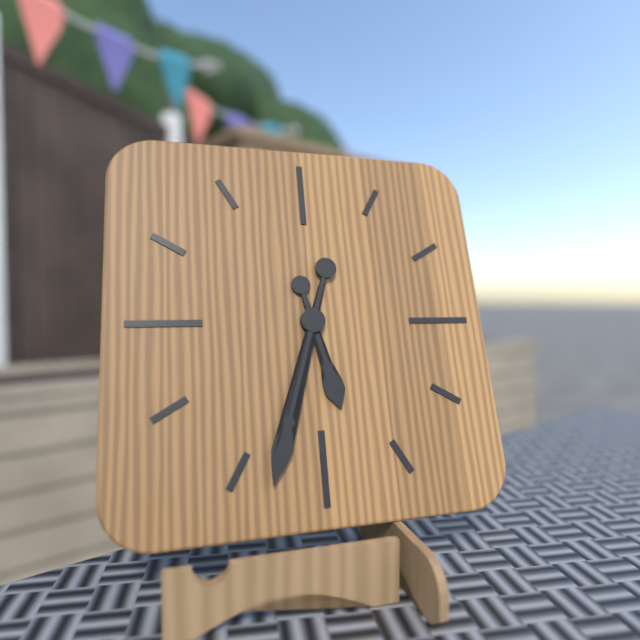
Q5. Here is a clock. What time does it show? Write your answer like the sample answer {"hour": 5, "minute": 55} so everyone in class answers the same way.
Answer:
{"hour": 5, "minute": 33}
